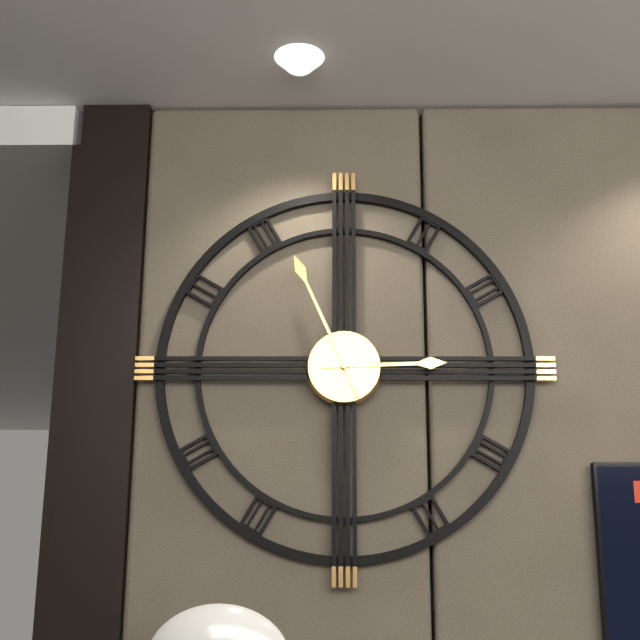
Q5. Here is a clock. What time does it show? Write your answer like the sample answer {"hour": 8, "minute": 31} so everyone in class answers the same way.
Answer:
{"hour": 2, "minute": 56}
